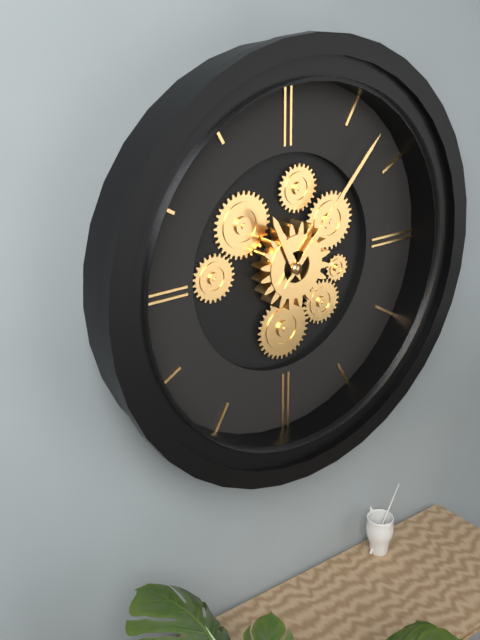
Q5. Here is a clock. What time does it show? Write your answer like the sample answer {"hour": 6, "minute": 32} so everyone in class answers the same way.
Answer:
{"hour": 11, "minute": 7}
